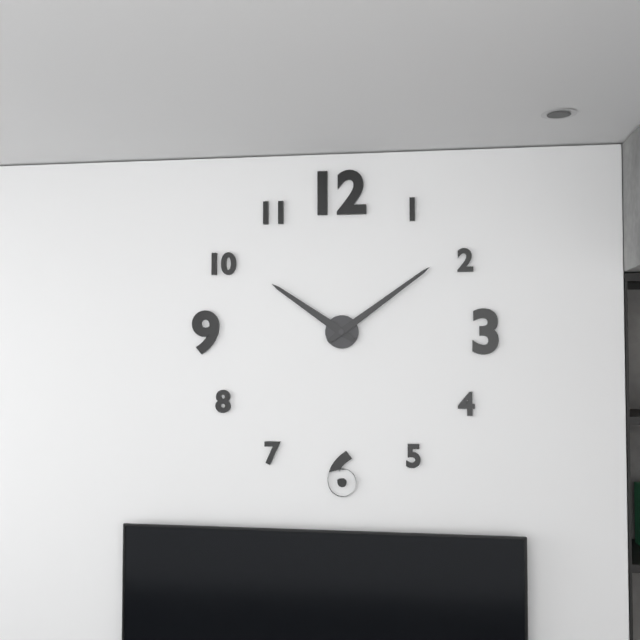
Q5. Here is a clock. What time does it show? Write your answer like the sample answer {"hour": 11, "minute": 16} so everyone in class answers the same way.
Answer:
{"hour": 10, "minute": 9}
